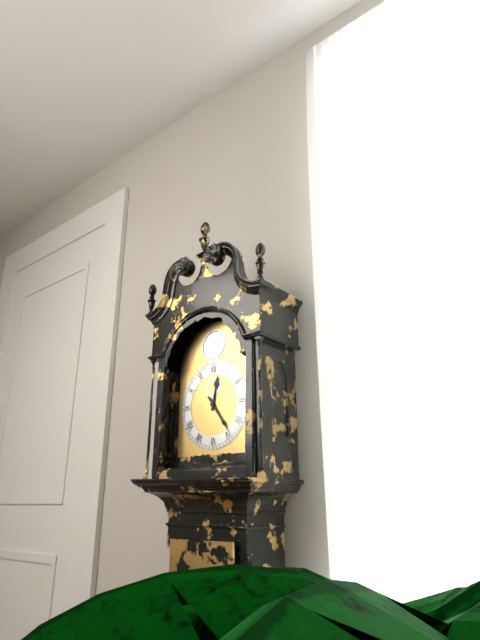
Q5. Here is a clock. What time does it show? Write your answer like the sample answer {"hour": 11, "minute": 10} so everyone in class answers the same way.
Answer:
{"hour": 12, "minute": 24}
